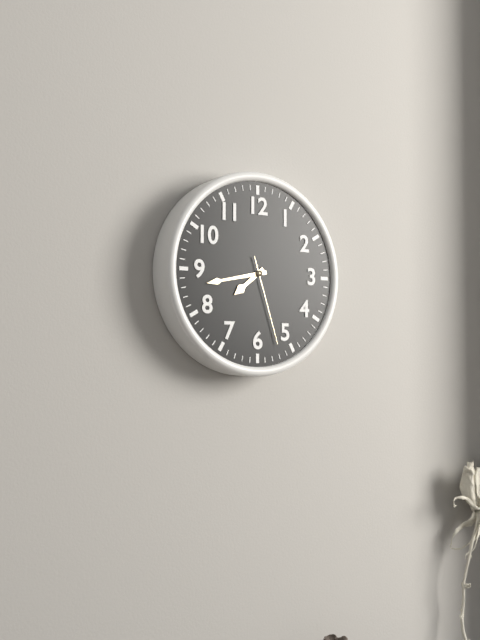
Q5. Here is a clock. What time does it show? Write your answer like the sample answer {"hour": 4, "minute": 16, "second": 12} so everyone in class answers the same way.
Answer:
{"hour": 7, "minute": 43, "second": 27}
